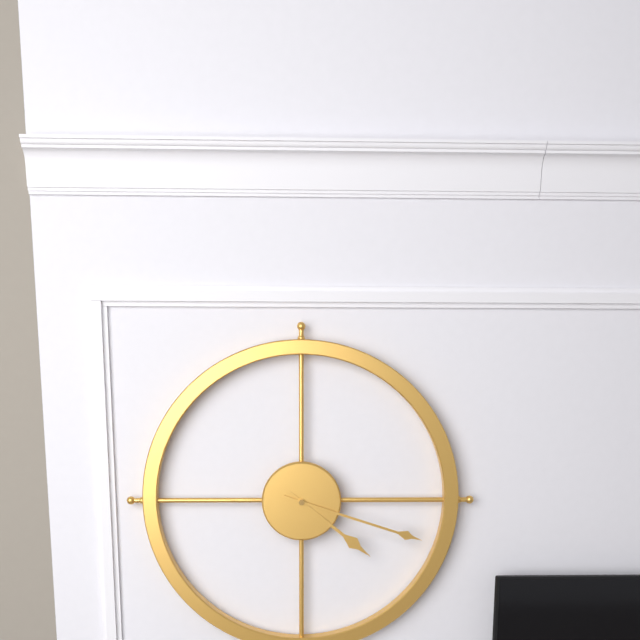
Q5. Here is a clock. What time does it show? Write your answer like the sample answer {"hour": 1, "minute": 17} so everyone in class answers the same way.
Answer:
{"hour": 4, "minute": 18}
